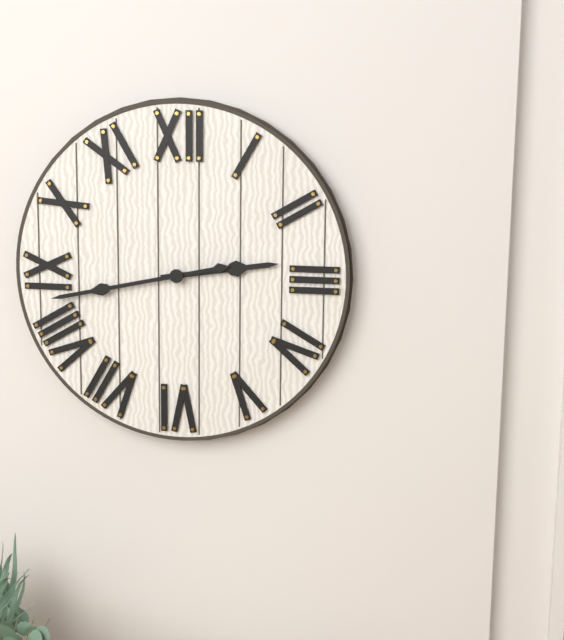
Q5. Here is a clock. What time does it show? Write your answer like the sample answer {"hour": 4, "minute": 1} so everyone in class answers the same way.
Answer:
{"hour": 2, "minute": 43}
